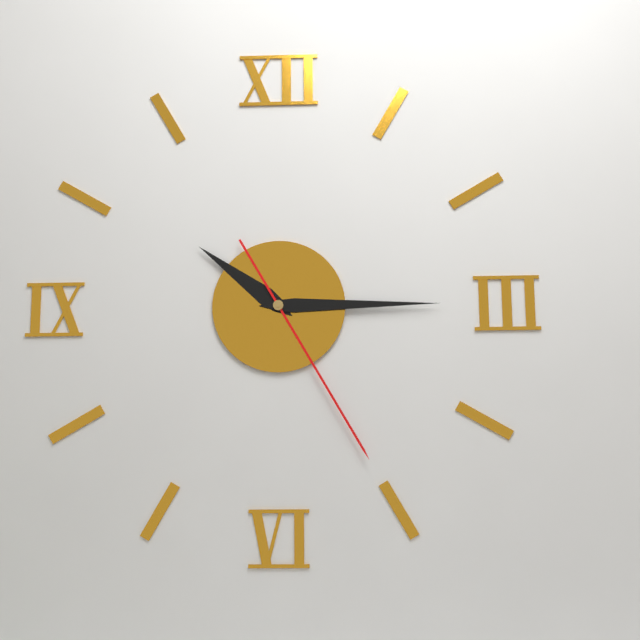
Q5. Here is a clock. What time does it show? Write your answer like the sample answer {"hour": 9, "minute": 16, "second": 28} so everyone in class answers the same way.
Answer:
{"hour": 10, "minute": 15, "second": 25}
